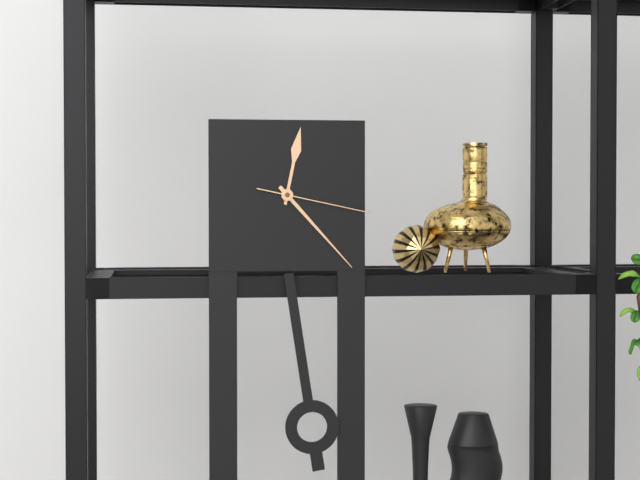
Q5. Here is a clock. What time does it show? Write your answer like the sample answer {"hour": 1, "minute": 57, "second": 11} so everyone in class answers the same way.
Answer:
{"hour": 12, "minute": 23, "second": 17}
